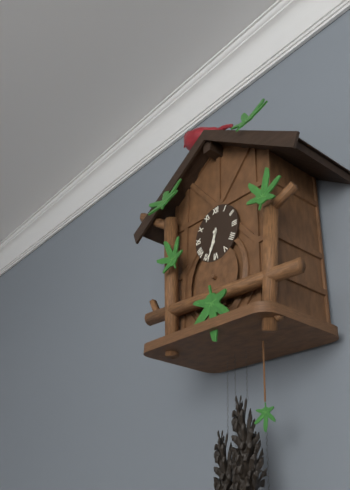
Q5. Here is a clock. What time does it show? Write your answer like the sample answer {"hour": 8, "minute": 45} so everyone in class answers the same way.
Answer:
{"hour": 6, "minute": 33}
